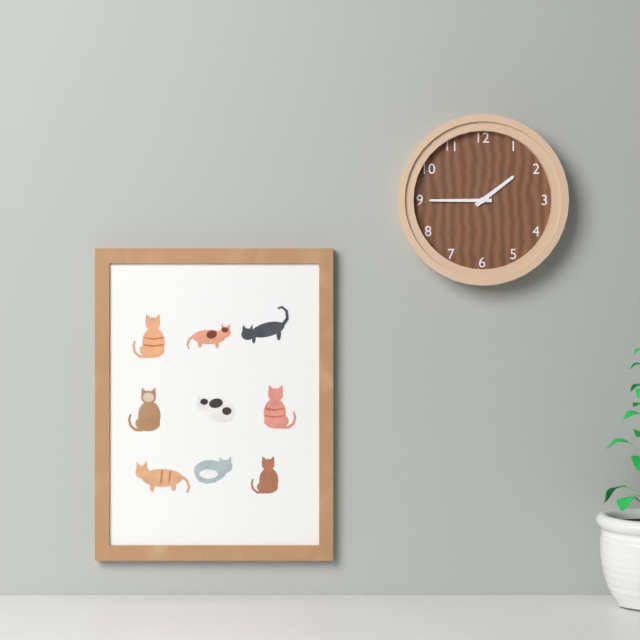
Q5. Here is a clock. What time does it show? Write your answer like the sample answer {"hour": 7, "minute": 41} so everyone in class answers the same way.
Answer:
{"hour": 1, "minute": 45}
